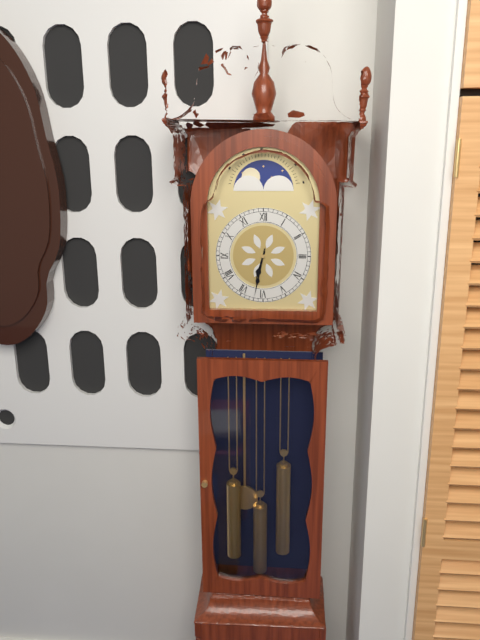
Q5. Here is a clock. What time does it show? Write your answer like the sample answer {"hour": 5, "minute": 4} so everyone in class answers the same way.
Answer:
{"hour": 6, "minute": 32}
